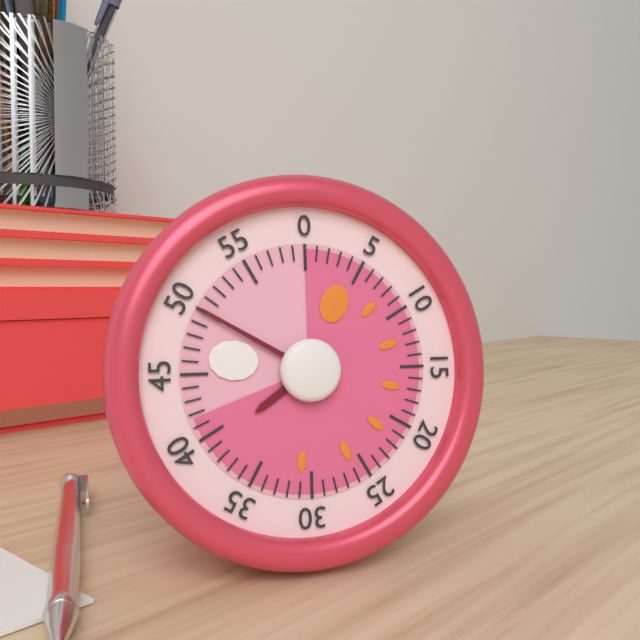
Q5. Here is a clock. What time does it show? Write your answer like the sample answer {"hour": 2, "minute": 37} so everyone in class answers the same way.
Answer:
{"hour": 7, "minute": 50}
